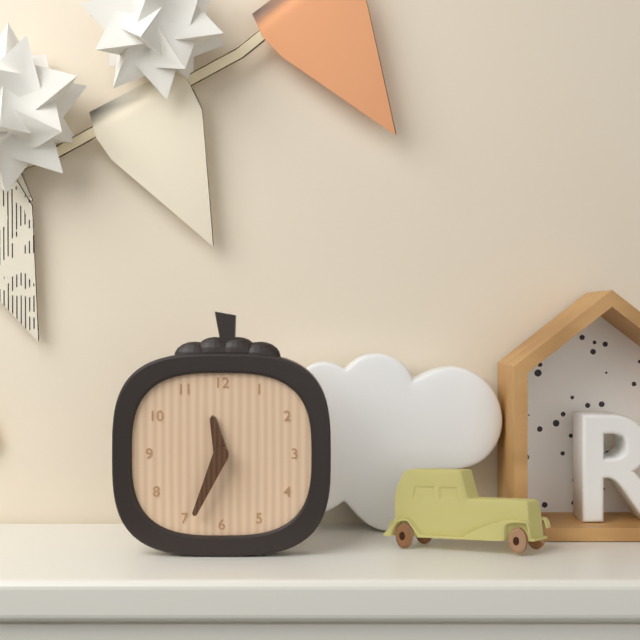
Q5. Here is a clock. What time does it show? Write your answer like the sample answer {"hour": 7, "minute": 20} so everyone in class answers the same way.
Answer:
{"hour": 11, "minute": 34}
